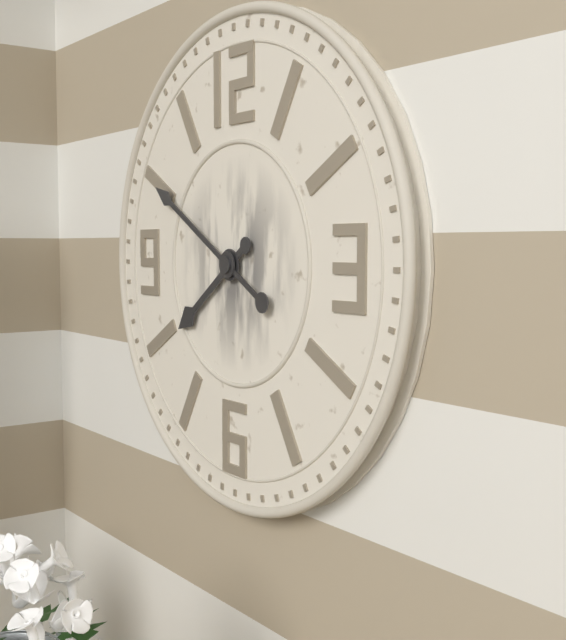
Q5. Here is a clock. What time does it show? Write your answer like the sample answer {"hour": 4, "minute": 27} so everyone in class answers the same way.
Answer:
{"hour": 7, "minute": 50}
